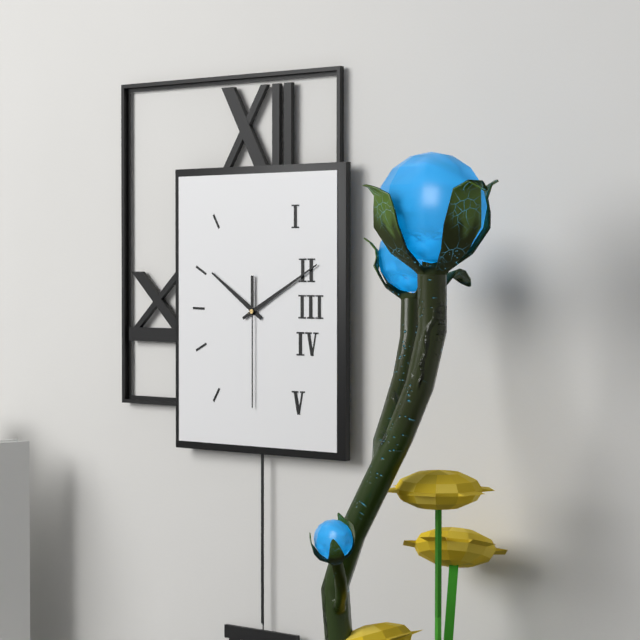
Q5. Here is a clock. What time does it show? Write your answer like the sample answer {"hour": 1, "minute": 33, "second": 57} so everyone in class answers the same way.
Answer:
{"hour": 10, "minute": 10, "second": 30}
